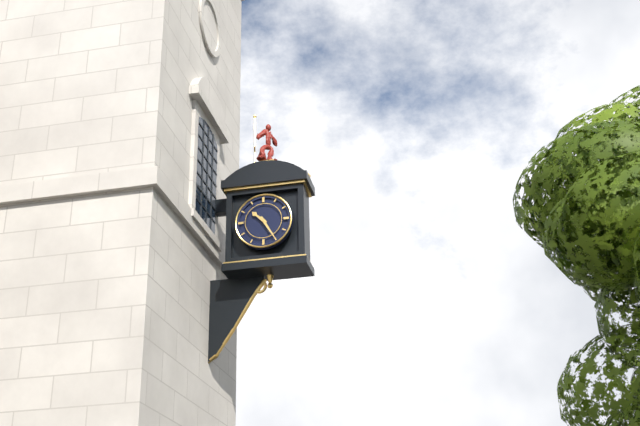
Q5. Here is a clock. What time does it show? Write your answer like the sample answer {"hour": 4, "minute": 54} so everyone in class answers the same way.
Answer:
{"hour": 10, "minute": 25}
